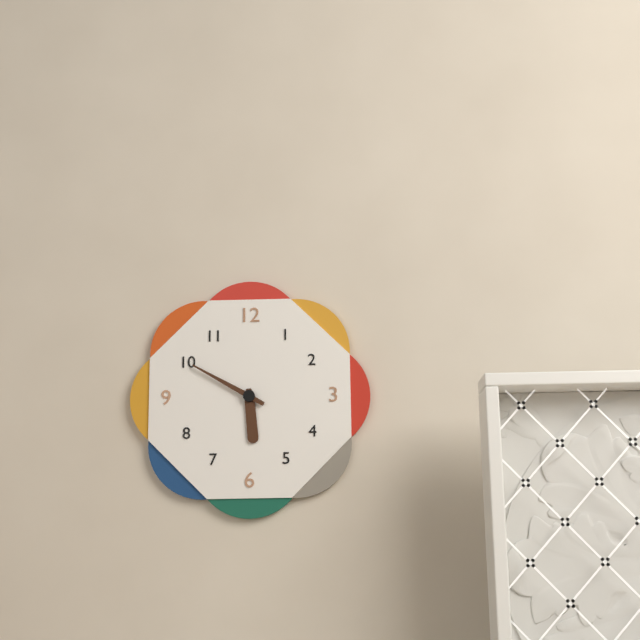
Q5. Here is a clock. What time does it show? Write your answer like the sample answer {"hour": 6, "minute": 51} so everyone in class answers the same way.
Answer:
{"hour": 5, "minute": 50}
